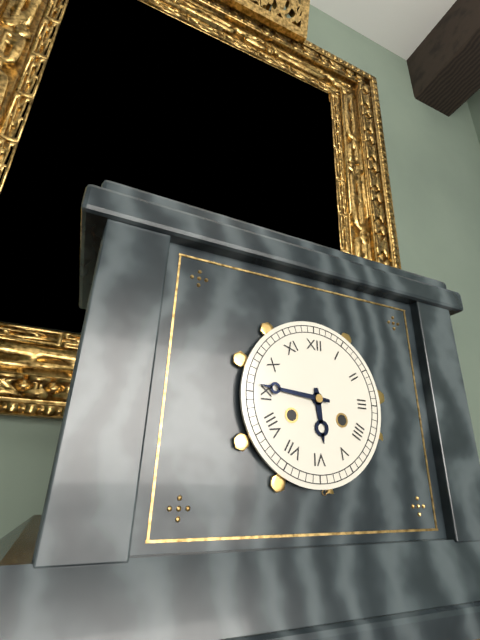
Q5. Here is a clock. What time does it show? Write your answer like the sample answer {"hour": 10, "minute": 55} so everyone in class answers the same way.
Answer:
{"hour": 5, "minute": 46}
